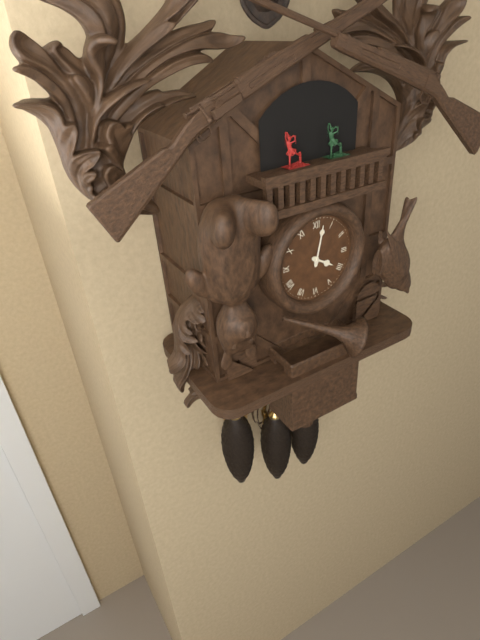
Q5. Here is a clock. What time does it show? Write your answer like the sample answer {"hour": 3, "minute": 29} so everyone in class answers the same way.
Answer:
{"hour": 4, "minute": 2}
